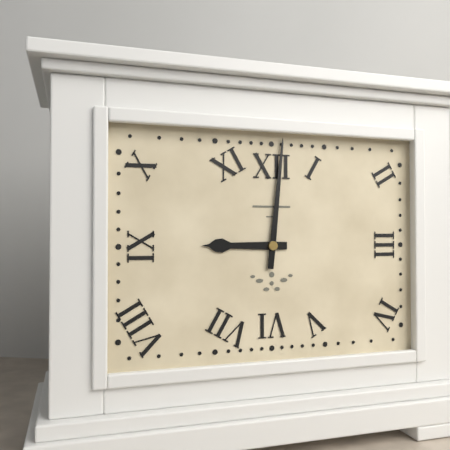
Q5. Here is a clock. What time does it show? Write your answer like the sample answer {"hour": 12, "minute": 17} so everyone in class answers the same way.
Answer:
{"hour": 9, "minute": 1}
